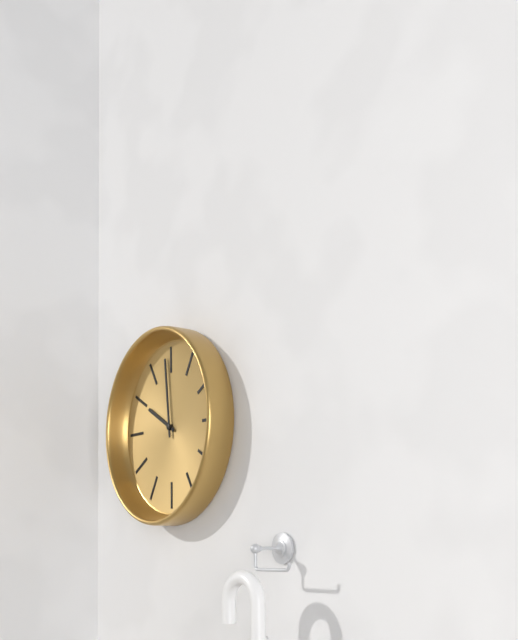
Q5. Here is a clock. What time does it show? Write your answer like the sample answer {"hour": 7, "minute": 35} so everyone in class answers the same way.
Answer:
{"hour": 9, "minute": 59}
